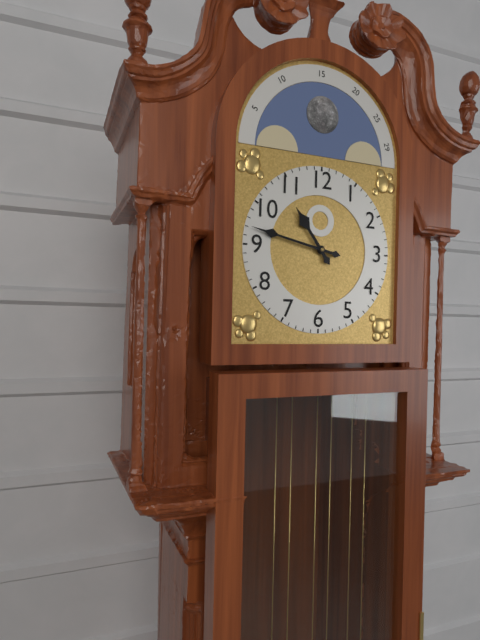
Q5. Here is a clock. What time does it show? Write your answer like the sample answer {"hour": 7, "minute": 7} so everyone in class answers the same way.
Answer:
{"hour": 10, "minute": 47}
